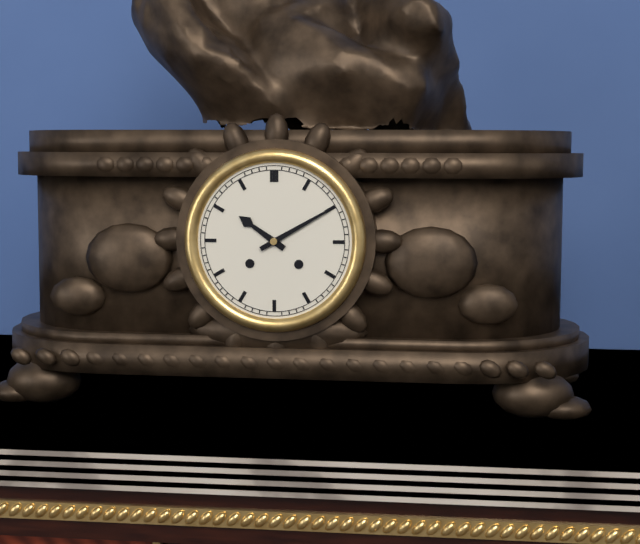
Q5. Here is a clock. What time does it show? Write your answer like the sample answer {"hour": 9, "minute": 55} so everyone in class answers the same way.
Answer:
{"hour": 10, "minute": 10}
